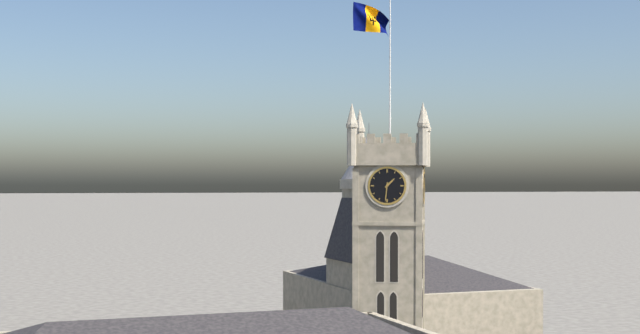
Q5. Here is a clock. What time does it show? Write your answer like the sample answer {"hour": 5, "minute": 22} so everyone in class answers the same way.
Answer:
{"hour": 1, "minute": 31}
